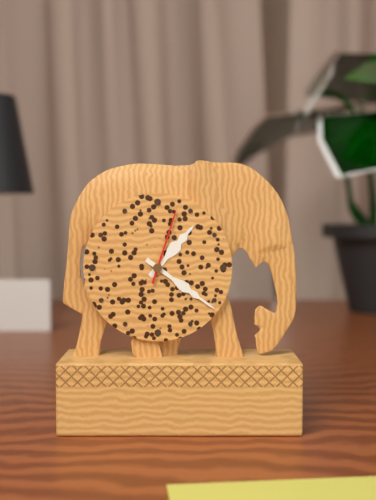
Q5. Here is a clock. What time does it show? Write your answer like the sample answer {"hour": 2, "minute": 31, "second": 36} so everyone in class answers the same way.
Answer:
{"hour": 1, "minute": 21, "second": 3}
